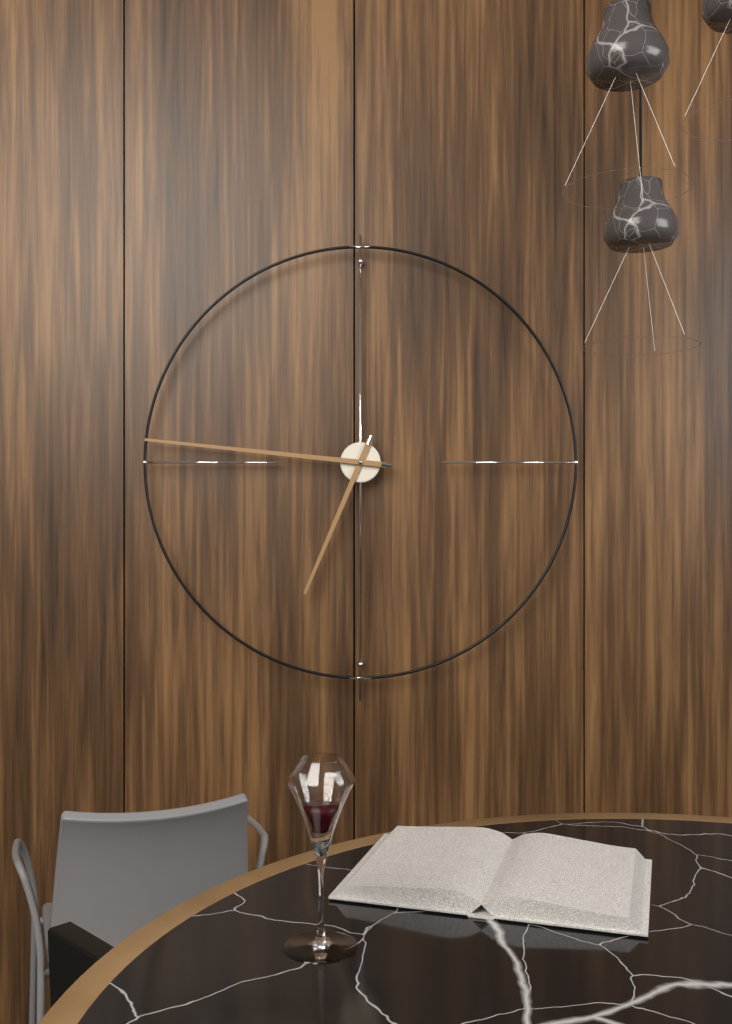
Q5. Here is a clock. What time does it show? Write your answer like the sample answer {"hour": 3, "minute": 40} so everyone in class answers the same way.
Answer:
{"hour": 6, "minute": 46}
